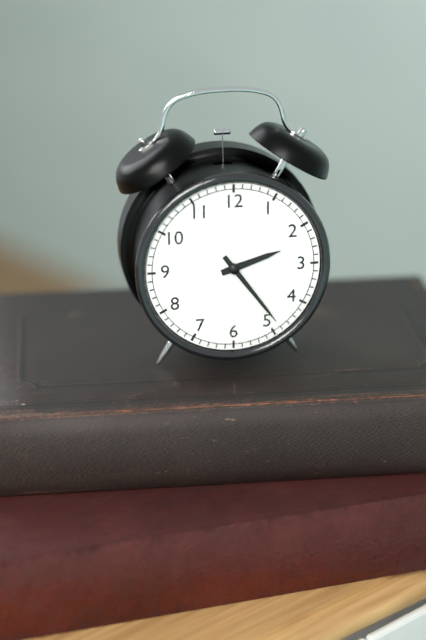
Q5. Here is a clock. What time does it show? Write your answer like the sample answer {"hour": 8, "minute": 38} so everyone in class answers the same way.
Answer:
{"hour": 2, "minute": 24}
